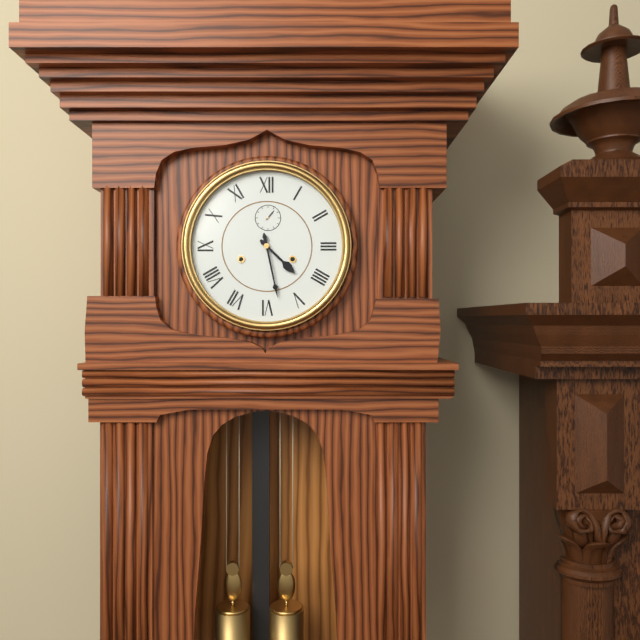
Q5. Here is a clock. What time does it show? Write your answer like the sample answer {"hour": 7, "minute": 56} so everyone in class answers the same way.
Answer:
{"hour": 4, "minute": 28}
